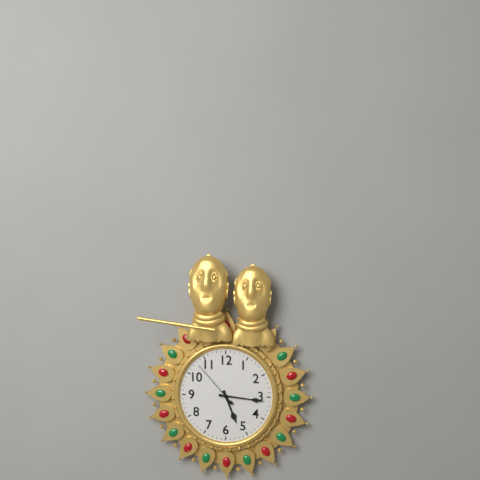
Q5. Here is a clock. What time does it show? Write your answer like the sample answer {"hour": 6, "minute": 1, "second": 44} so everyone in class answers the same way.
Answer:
{"hour": 5, "minute": 16, "second": 53}
